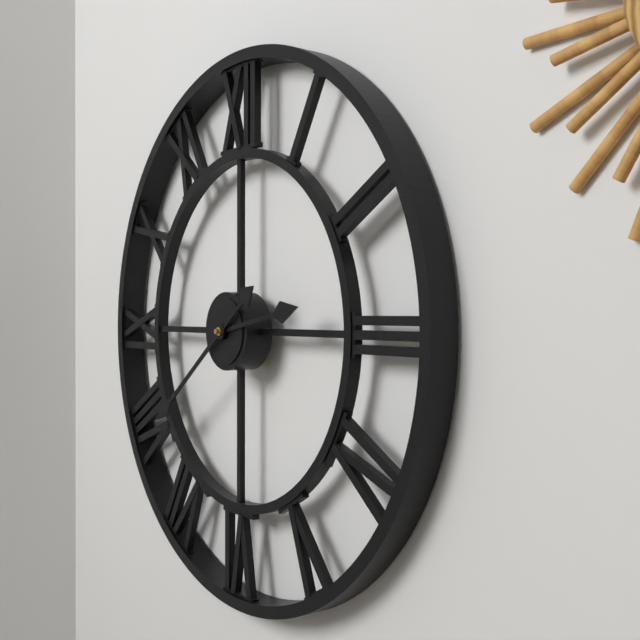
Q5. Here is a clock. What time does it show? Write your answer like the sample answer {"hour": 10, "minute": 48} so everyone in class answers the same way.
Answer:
{"hour": 2, "minute": 39}
